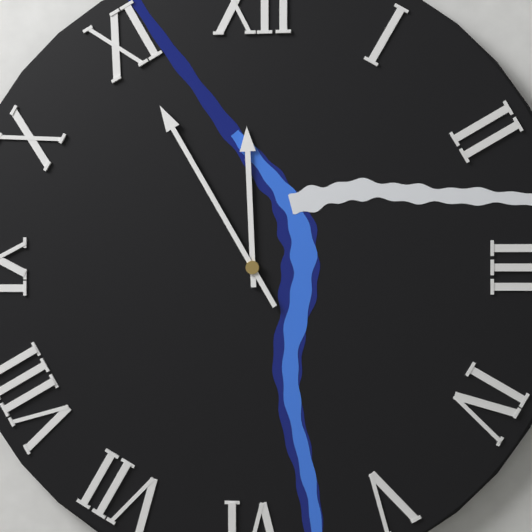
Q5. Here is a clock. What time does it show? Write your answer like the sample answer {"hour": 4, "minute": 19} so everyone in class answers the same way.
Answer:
{"hour": 11, "minute": 55}
